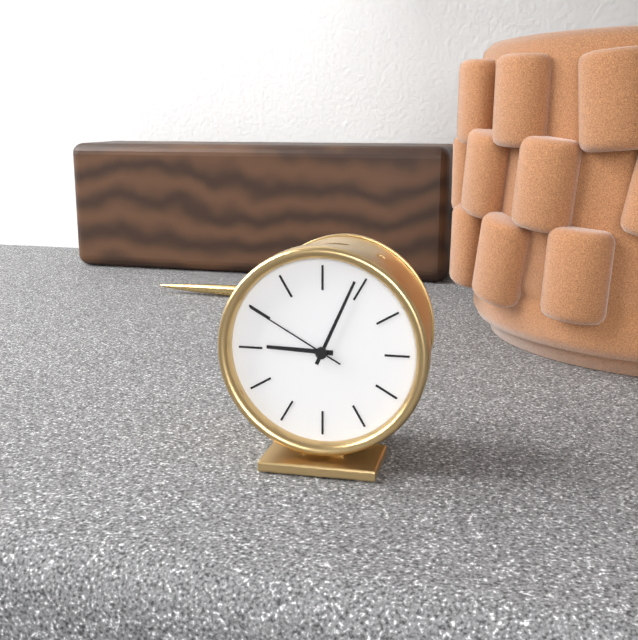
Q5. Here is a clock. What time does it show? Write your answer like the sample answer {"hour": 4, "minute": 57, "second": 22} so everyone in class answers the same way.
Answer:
{"hour": 9, "minute": 4, "second": 50}
